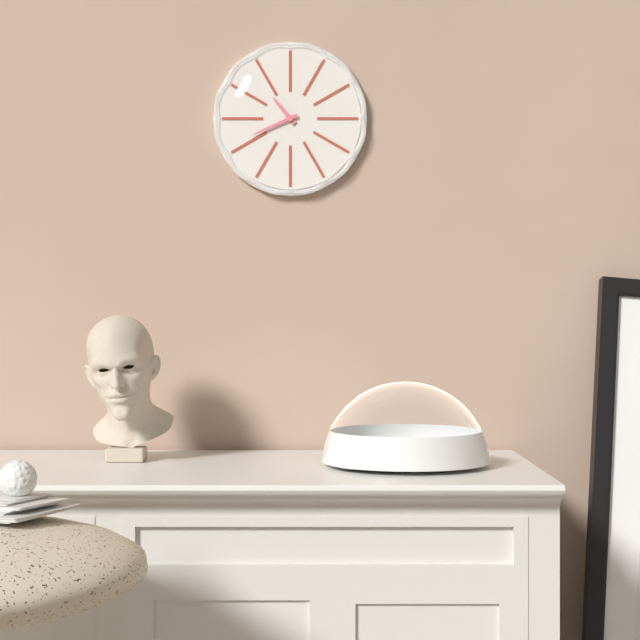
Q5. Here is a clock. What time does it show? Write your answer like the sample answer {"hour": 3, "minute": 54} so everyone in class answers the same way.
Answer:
{"hour": 10, "minute": 41}
